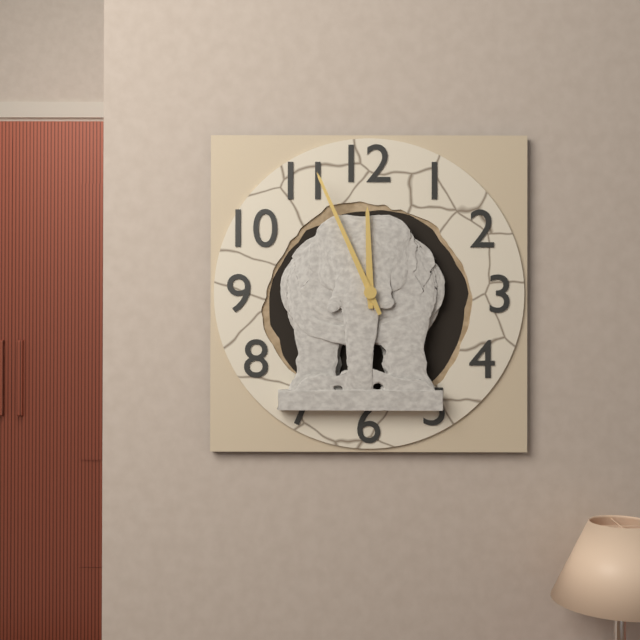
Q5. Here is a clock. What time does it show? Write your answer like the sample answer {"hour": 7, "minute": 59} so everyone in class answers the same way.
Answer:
{"hour": 11, "minute": 56}
